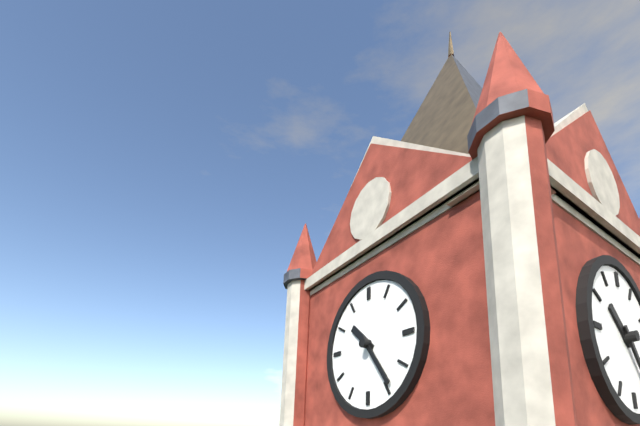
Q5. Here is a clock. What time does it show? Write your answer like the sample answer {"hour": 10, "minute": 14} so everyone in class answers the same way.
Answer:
{"hour": 10, "minute": 24}
